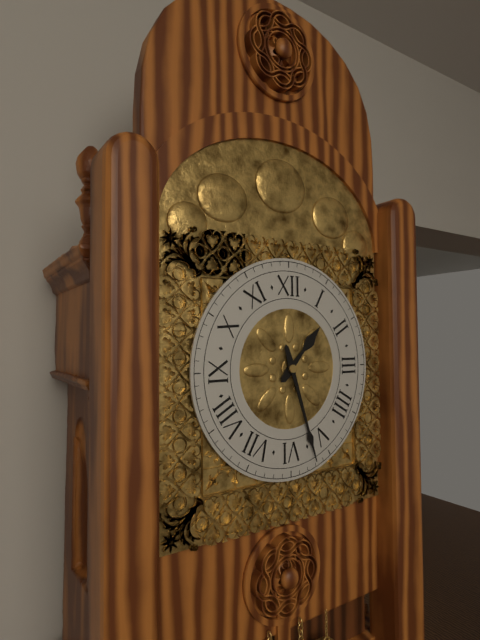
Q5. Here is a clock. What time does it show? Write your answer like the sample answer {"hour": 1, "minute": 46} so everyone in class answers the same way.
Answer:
{"hour": 1, "minute": 27}
